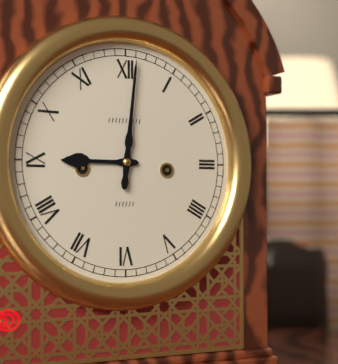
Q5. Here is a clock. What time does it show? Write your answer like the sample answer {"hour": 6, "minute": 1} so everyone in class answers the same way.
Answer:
{"hour": 9, "minute": 1}
